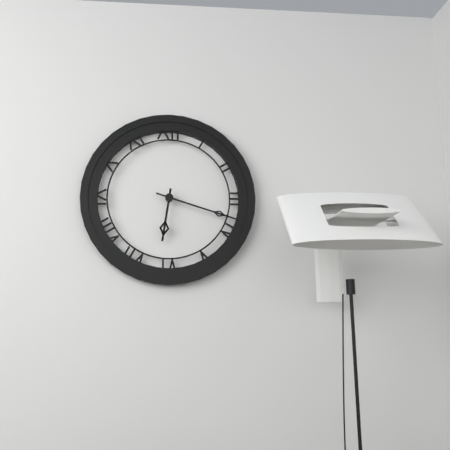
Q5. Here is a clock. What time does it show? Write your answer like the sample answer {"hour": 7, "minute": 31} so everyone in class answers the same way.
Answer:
{"hour": 6, "minute": 18}
